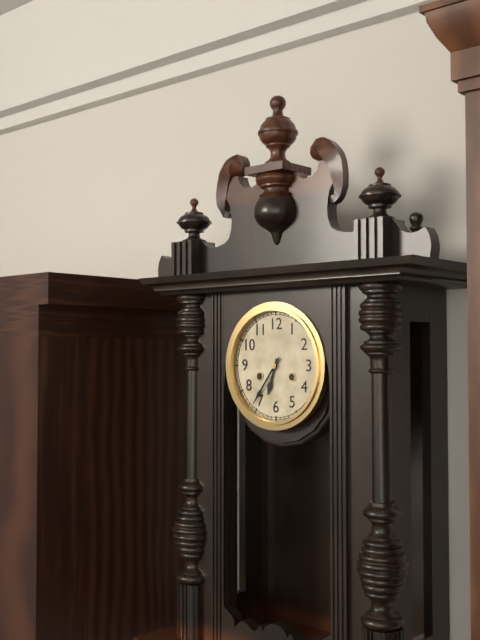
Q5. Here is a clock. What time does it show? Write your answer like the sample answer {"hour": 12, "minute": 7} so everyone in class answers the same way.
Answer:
{"hour": 6, "minute": 36}
